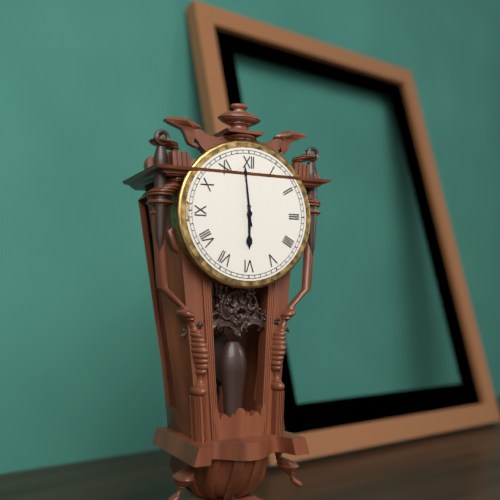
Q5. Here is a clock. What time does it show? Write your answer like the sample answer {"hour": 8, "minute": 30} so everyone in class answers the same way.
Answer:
{"hour": 5, "minute": 59}
